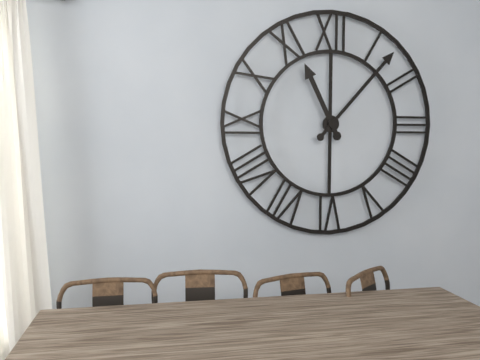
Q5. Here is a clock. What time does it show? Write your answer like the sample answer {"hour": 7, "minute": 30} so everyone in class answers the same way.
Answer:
{"hour": 11, "minute": 7}
